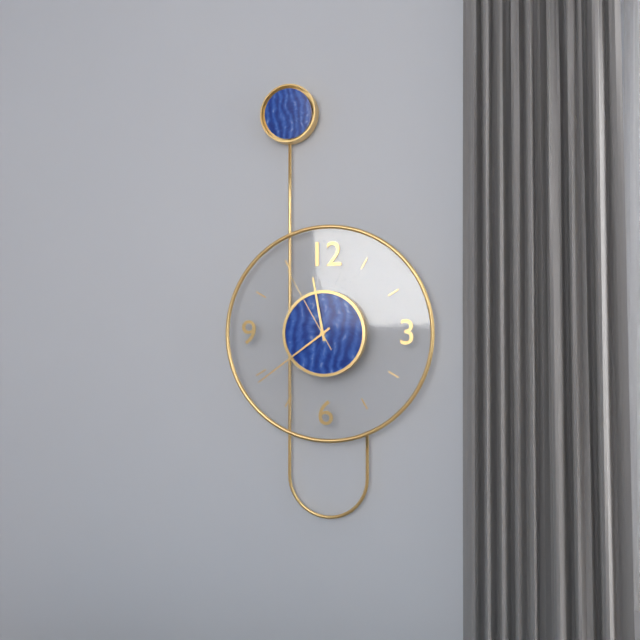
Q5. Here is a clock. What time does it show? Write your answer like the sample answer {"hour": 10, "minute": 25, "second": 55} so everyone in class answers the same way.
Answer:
{"hour": 11, "minute": 39, "second": 55}
